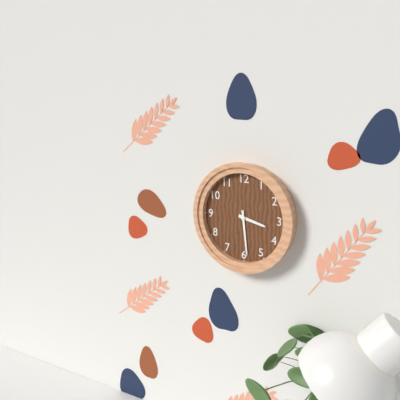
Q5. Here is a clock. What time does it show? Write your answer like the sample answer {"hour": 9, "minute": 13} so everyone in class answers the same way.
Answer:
{"hour": 3, "minute": 29}
